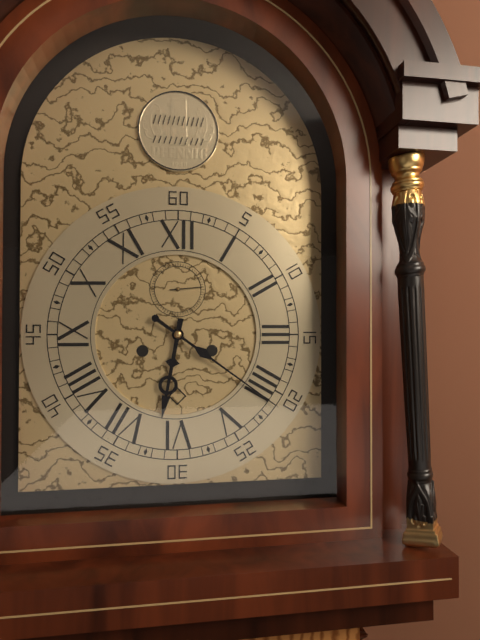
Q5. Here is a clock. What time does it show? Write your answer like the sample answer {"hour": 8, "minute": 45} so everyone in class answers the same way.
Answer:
{"hour": 6, "minute": 21}
